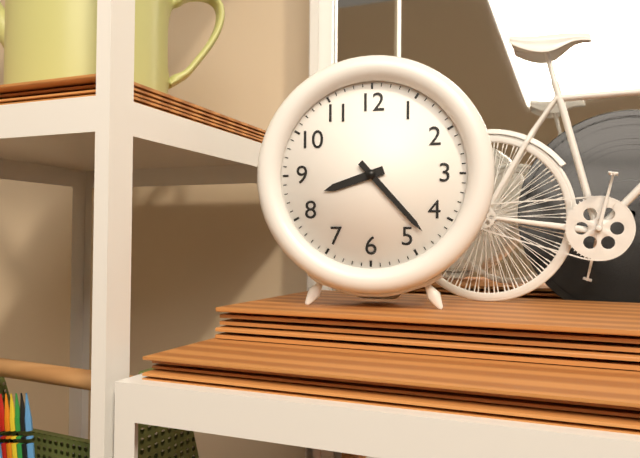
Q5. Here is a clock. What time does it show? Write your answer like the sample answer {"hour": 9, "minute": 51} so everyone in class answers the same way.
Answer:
{"hour": 8, "minute": 23}
